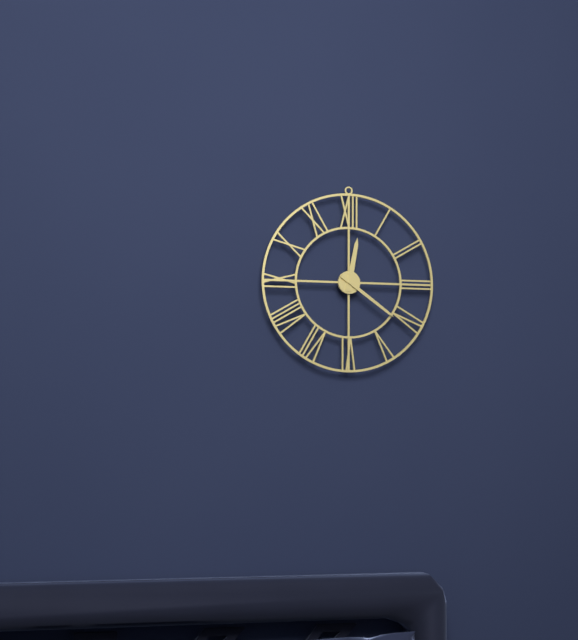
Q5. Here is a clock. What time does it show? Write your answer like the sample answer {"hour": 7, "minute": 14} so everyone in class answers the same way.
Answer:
{"hour": 12, "minute": 21}
